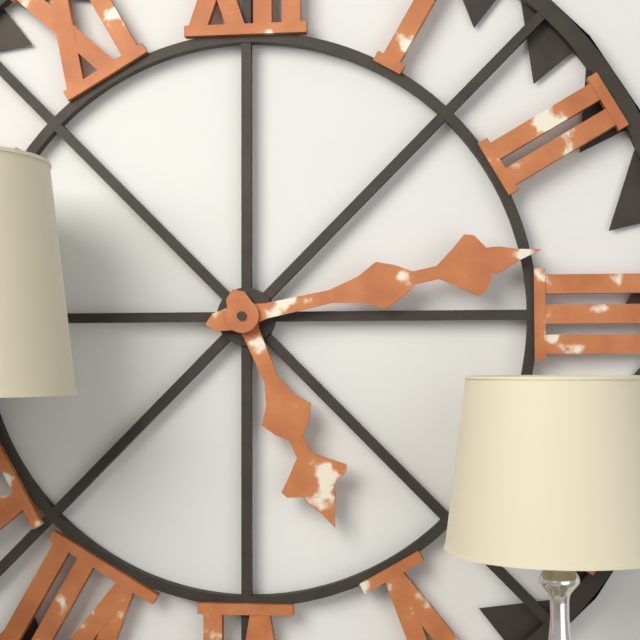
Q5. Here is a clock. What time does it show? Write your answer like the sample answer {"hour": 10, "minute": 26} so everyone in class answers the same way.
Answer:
{"hour": 5, "minute": 13}
